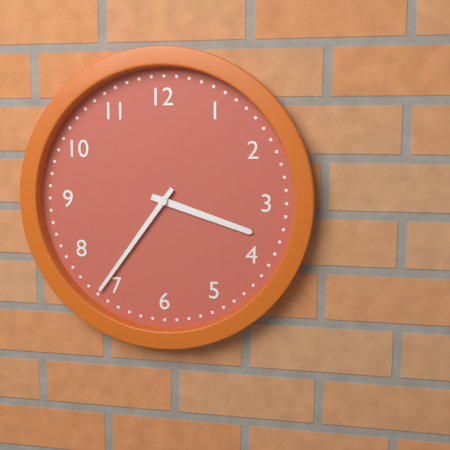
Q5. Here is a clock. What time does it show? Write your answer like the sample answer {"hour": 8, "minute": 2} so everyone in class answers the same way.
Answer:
{"hour": 3, "minute": 36}
